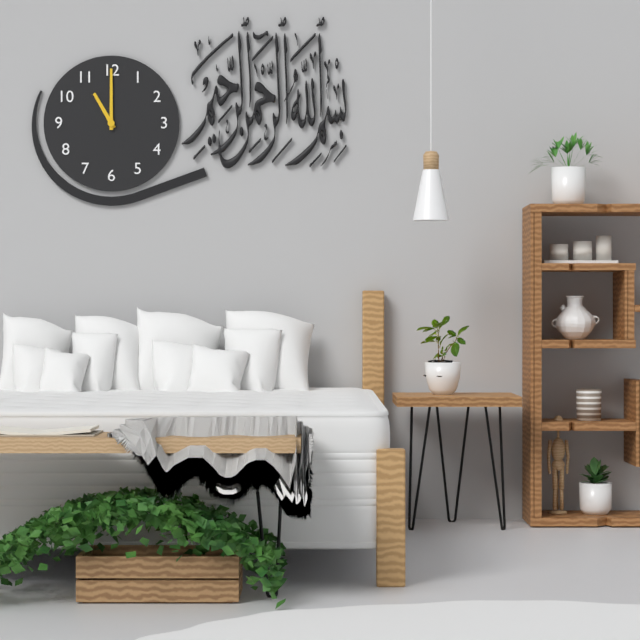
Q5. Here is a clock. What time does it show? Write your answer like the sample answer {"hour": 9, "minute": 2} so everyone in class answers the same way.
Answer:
{"hour": 11, "minute": 0}
